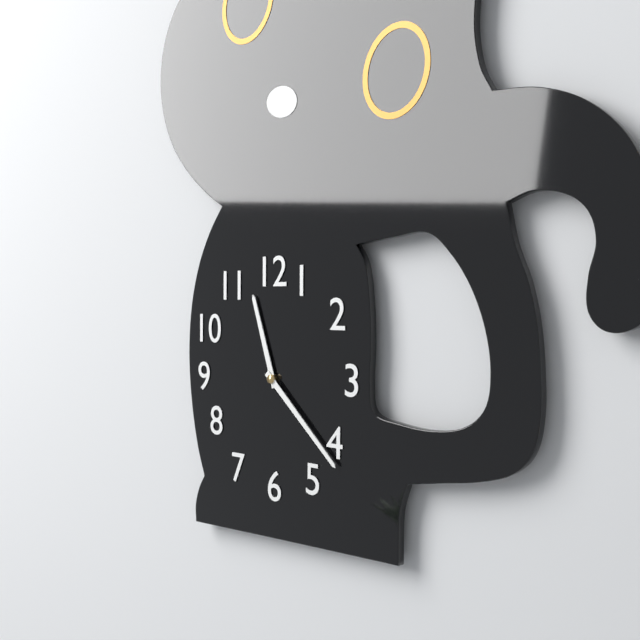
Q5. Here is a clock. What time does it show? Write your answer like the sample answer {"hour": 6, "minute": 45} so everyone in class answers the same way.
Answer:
{"hour": 11, "minute": 22}
